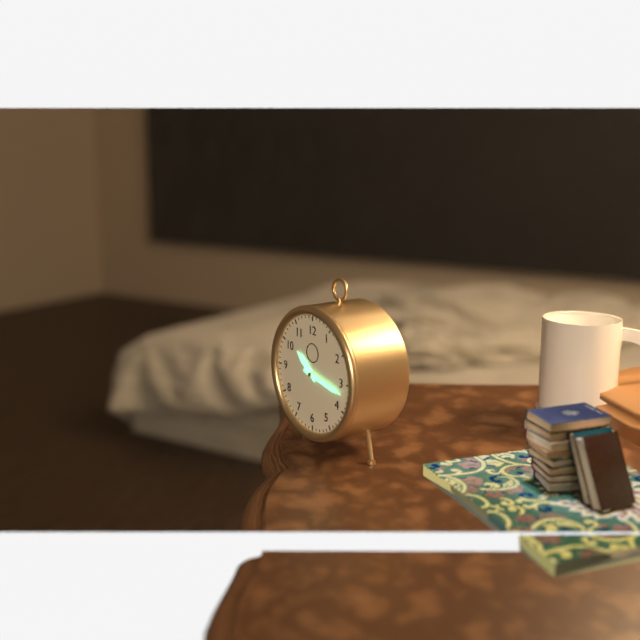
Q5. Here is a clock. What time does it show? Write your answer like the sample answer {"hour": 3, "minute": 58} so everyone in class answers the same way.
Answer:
{"hour": 10, "minute": 17}
